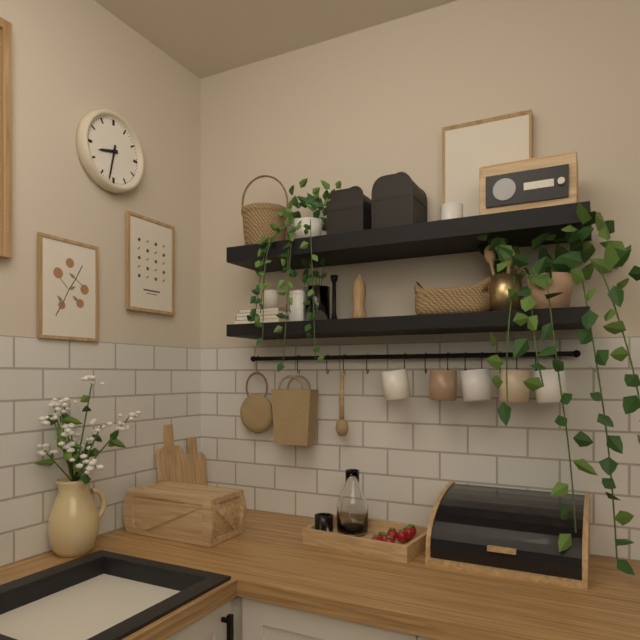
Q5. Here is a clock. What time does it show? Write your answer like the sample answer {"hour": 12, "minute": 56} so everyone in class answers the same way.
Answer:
{"hour": 8, "minute": 32}
